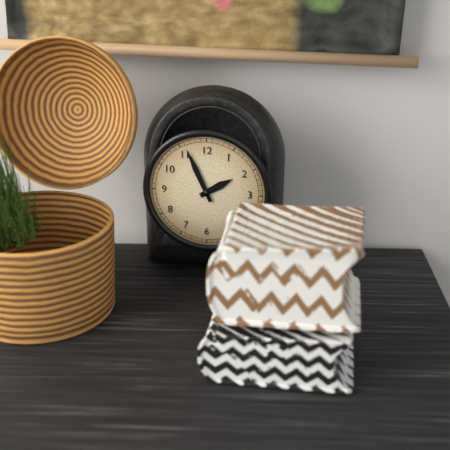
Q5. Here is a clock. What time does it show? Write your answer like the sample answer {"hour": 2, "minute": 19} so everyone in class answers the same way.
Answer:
{"hour": 1, "minute": 56}
